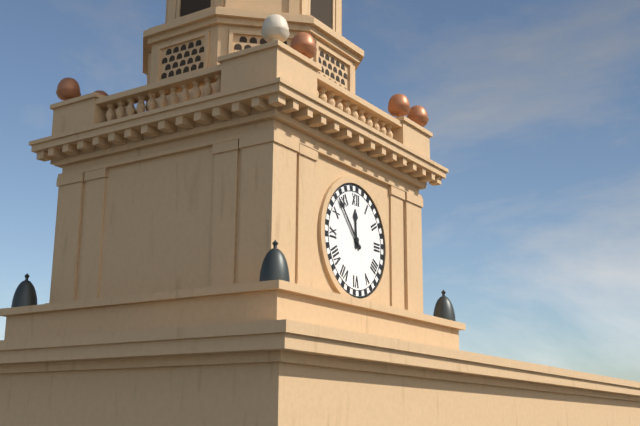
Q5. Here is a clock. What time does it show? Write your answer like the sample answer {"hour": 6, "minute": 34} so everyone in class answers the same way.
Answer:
{"hour": 11, "minute": 53}
